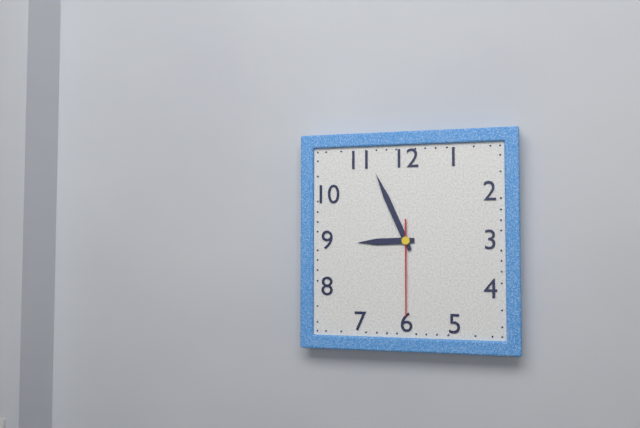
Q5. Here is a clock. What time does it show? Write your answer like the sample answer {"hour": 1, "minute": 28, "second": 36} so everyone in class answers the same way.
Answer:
{"hour": 8, "minute": 56, "second": 30}
